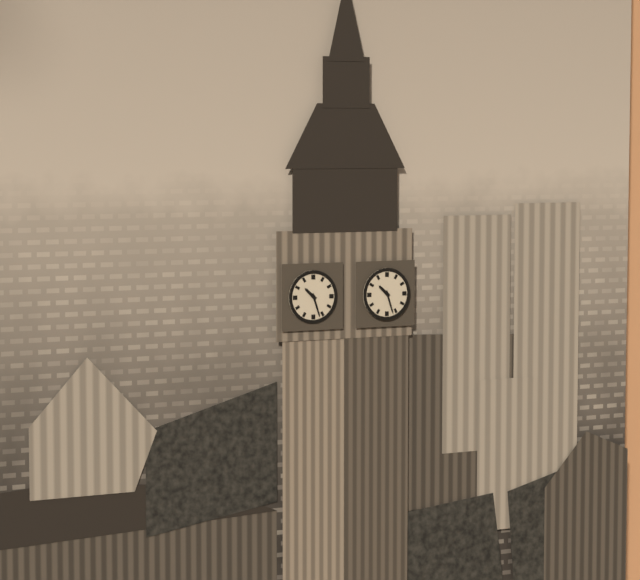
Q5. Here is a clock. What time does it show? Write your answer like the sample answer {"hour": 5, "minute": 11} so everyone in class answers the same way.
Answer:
{"hour": 10, "minute": 27}
